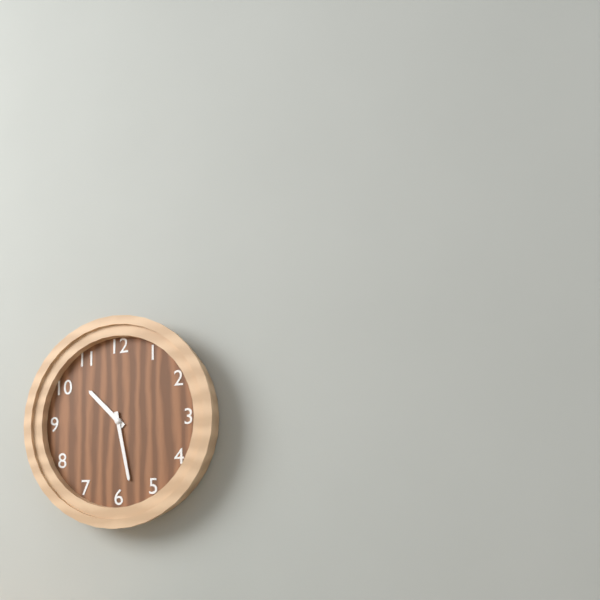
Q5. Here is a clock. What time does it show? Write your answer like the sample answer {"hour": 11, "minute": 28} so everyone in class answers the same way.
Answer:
{"hour": 10, "minute": 28}
